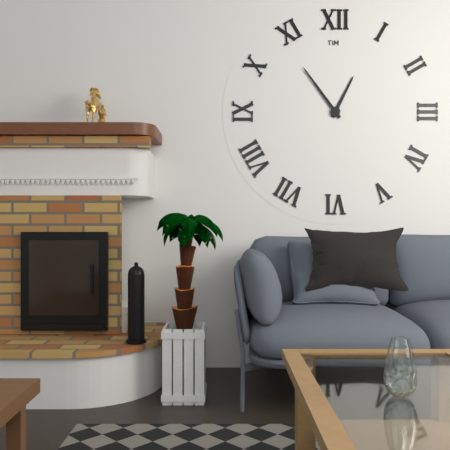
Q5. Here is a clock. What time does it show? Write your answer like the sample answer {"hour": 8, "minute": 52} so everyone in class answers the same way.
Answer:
{"hour": 12, "minute": 54}
